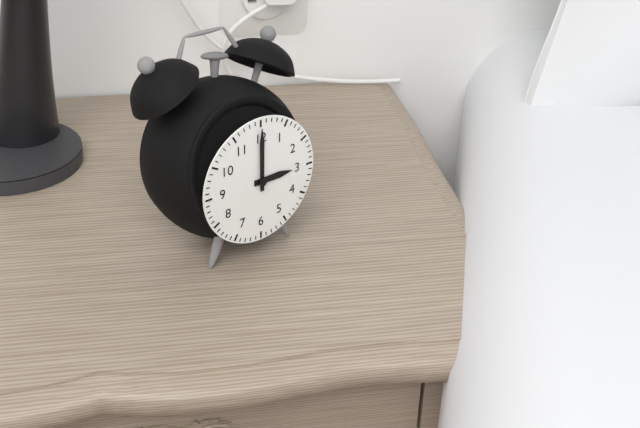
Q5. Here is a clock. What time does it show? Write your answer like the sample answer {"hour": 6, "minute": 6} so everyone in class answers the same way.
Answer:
{"hour": 3, "minute": 0}
